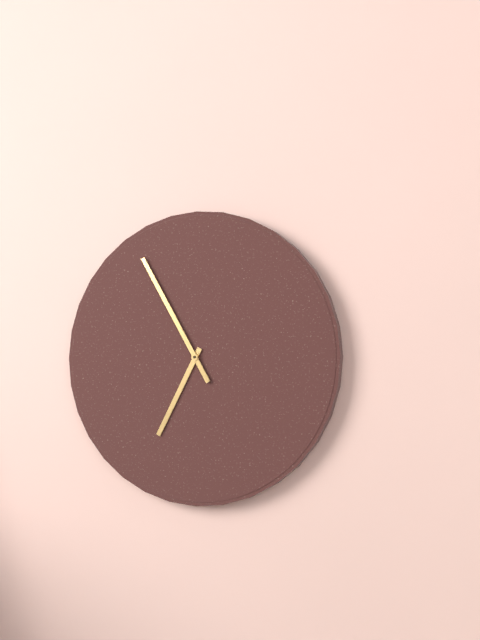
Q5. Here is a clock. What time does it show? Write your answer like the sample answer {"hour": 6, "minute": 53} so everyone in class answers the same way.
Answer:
{"hour": 6, "minute": 55}
